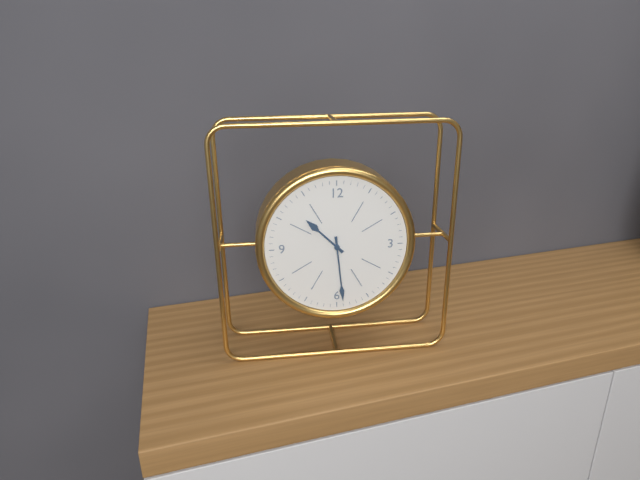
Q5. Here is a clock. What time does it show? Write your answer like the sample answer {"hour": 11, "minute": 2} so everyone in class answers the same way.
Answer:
{"hour": 10, "minute": 29}
